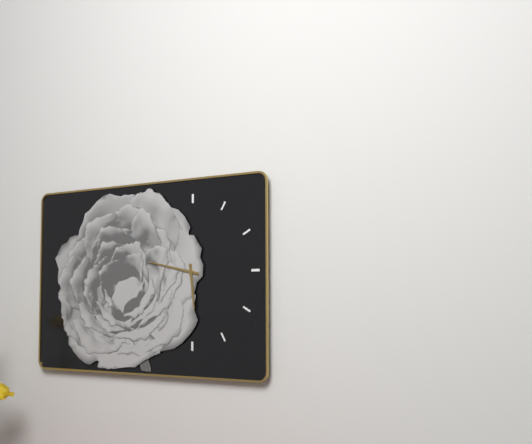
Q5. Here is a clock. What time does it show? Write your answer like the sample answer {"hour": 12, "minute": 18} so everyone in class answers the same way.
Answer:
{"hour": 5, "minute": 47}
